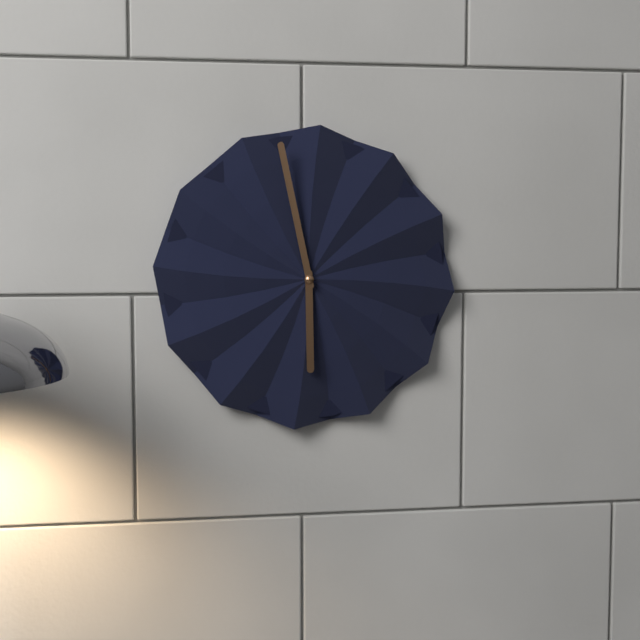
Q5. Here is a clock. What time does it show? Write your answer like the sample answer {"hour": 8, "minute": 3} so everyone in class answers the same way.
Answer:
{"hour": 5, "minute": 58}
